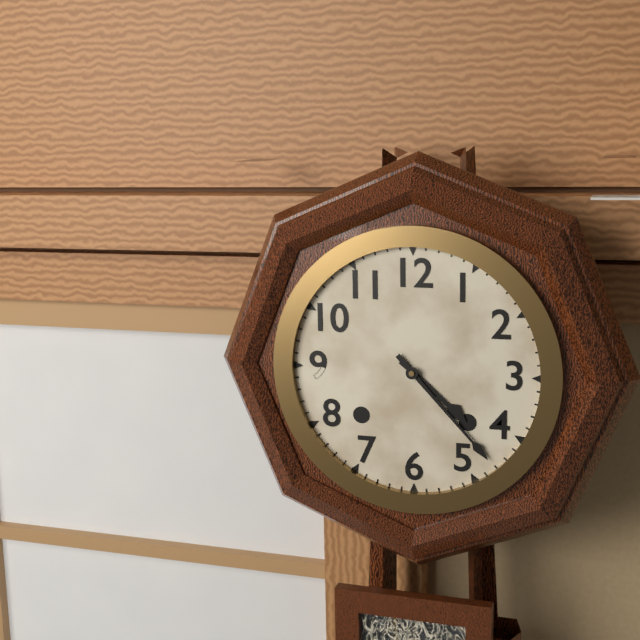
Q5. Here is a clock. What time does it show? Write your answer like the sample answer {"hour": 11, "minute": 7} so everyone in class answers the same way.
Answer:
{"hour": 4, "minute": 23}
